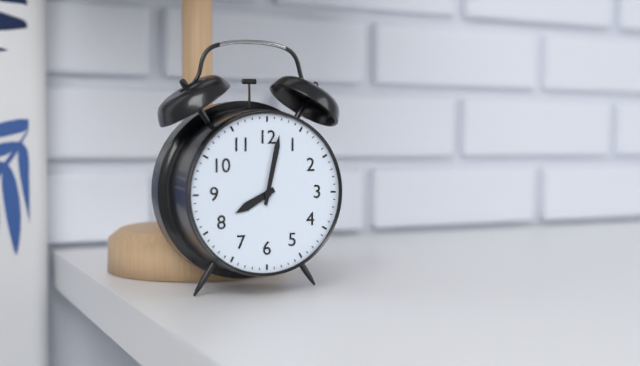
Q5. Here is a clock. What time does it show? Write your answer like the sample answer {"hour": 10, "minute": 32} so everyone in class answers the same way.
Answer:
{"hour": 8, "minute": 2}
